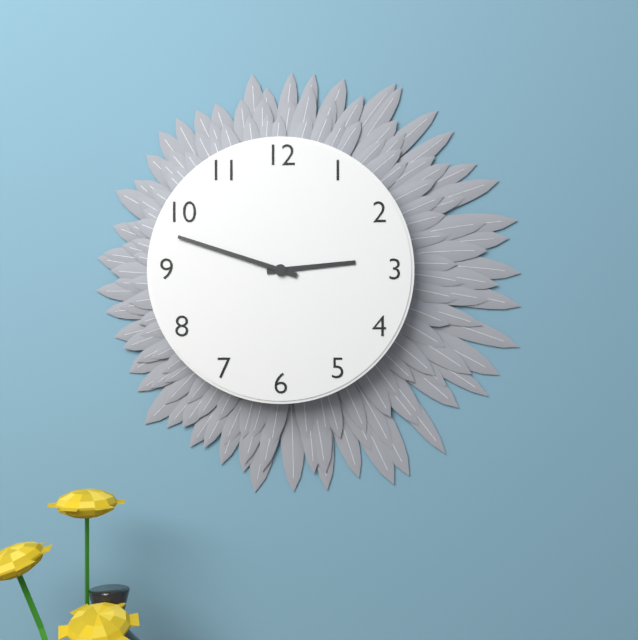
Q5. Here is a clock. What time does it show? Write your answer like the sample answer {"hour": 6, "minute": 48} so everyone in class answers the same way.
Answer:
{"hour": 2, "minute": 48}
